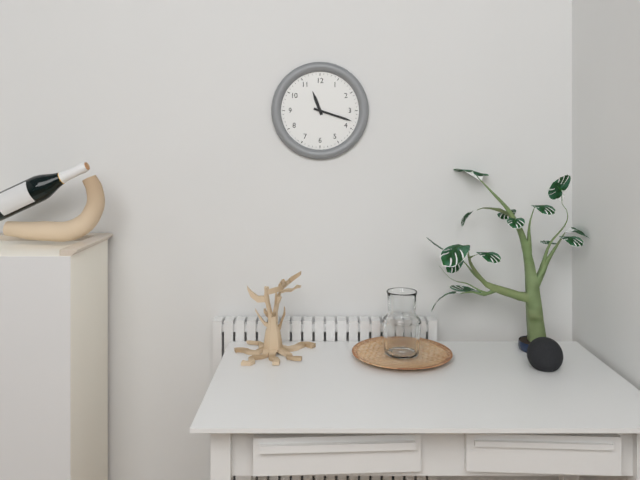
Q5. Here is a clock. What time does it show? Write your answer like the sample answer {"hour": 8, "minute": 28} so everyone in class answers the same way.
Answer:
{"hour": 11, "minute": 18}
